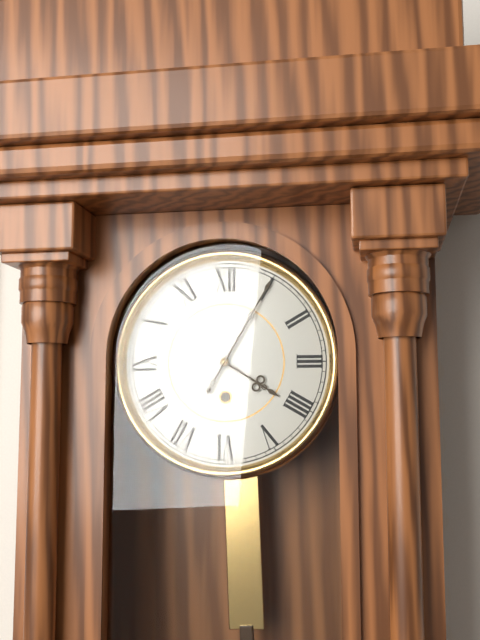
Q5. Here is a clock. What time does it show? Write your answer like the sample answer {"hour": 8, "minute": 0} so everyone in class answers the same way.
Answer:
{"hour": 4, "minute": 5}
